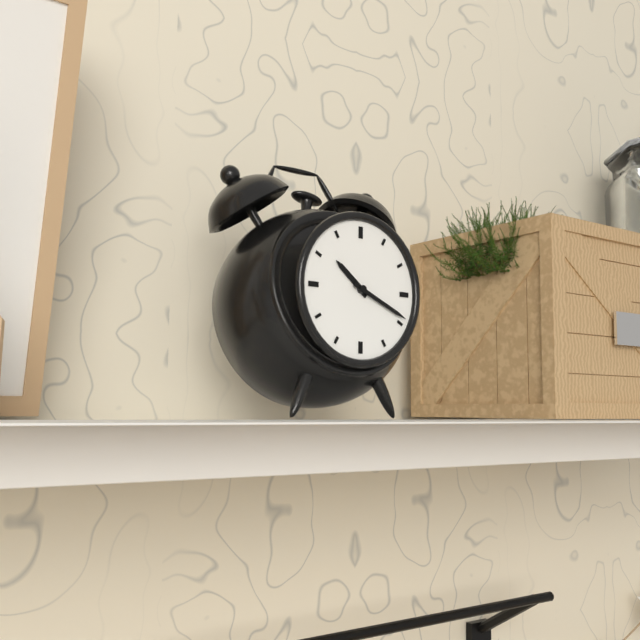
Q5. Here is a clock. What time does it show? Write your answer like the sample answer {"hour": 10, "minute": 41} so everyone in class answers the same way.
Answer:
{"hour": 10, "minute": 19}
